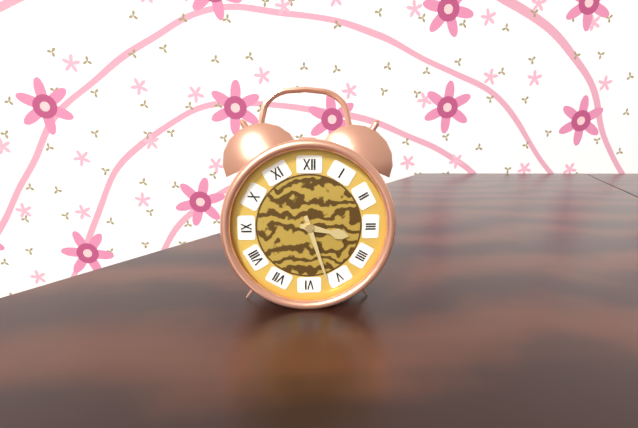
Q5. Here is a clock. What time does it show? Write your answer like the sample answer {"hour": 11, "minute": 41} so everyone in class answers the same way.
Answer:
{"hour": 3, "minute": 27}
